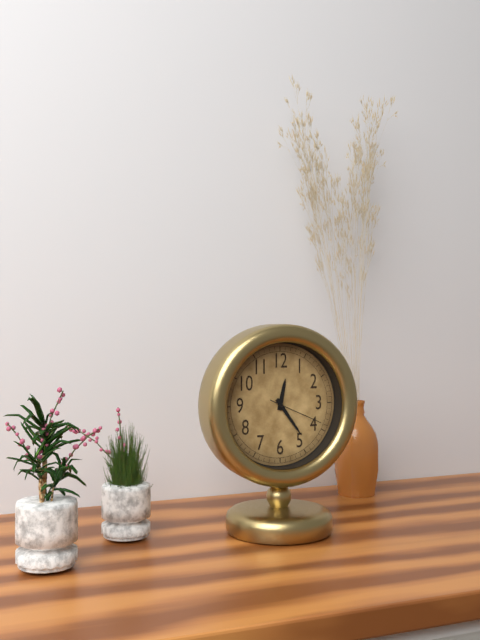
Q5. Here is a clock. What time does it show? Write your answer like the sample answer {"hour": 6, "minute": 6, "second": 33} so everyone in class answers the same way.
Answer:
{"hour": 12, "minute": 24, "second": 19}
